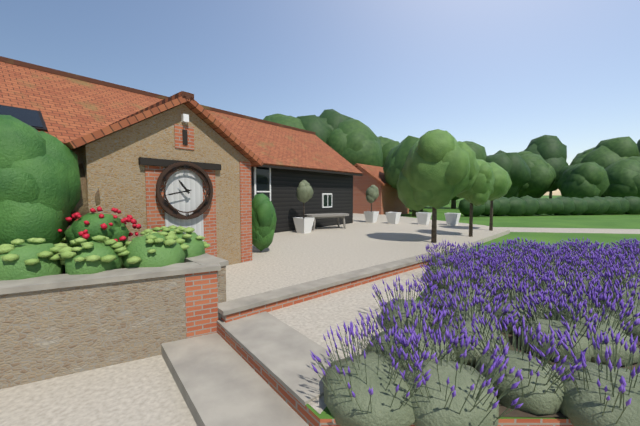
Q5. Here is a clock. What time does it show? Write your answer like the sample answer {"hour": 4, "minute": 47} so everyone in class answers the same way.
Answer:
{"hour": 10, "minute": 43}
